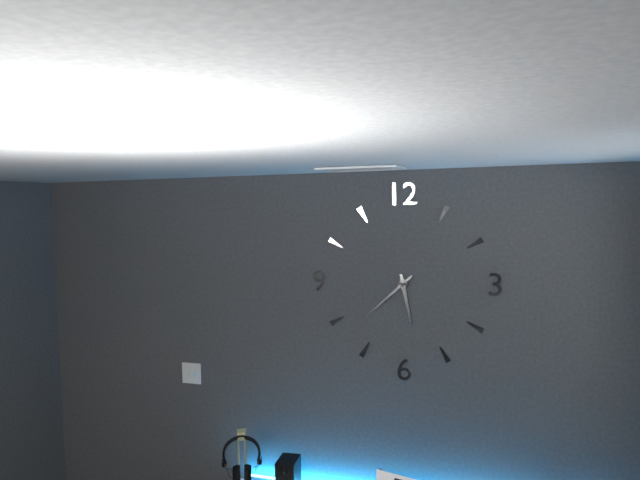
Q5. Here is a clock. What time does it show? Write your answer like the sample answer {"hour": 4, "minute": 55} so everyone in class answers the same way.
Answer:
{"hour": 5, "minute": 38}
